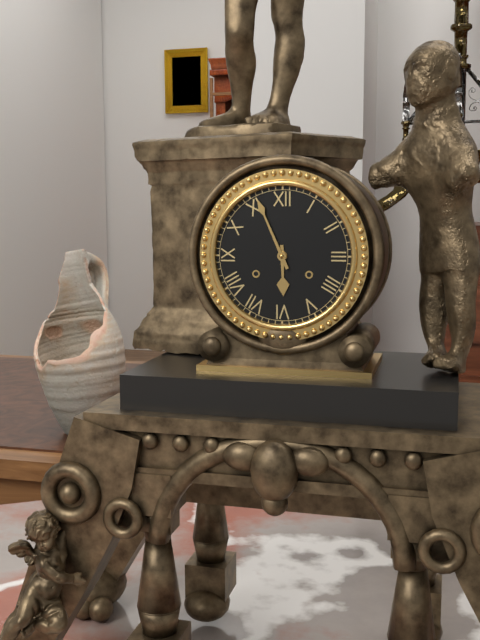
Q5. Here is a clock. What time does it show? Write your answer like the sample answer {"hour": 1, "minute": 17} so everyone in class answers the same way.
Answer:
{"hour": 5, "minute": 56}
